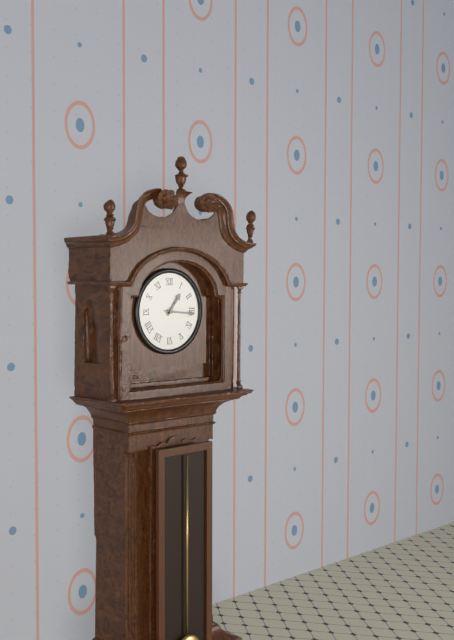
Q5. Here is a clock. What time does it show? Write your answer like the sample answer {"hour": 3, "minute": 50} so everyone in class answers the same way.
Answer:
{"hour": 1, "minute": 16}
